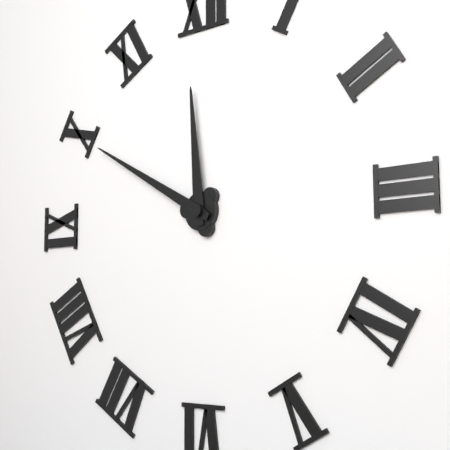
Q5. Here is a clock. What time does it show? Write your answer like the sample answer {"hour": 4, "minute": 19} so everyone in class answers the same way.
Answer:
{"hour": 11, "minute": 50}
